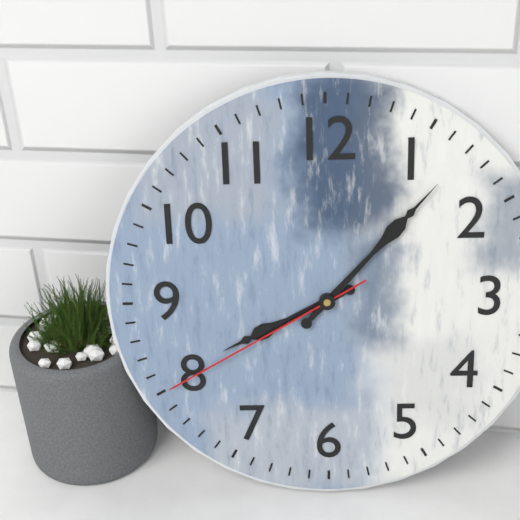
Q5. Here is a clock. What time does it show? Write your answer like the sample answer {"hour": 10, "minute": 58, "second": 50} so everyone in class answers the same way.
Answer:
{"hour": 8, "minute": 7, "second": 40}
